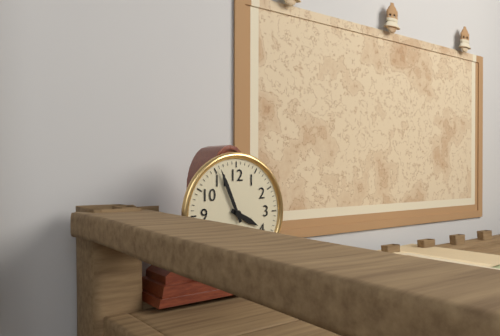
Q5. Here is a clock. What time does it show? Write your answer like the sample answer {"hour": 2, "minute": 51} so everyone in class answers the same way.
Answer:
{"hour": 3, "minute": 56}
